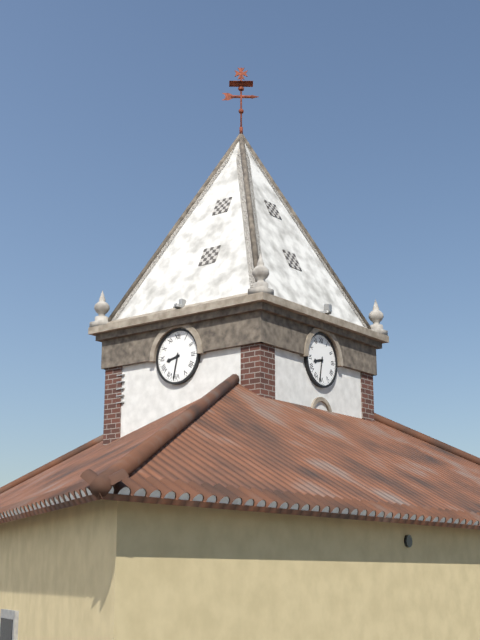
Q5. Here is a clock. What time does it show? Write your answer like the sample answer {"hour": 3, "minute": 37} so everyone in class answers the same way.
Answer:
{"hour": 8, "minute": 32}
